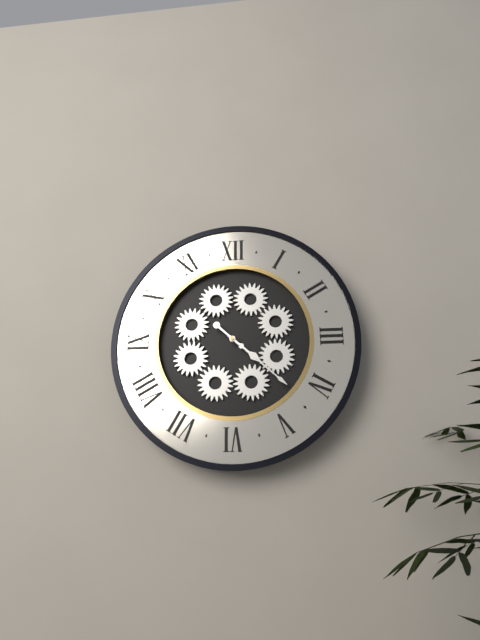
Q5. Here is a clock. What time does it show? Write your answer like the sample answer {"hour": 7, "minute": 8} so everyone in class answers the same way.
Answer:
{"hour": 4, "minute": 22}
